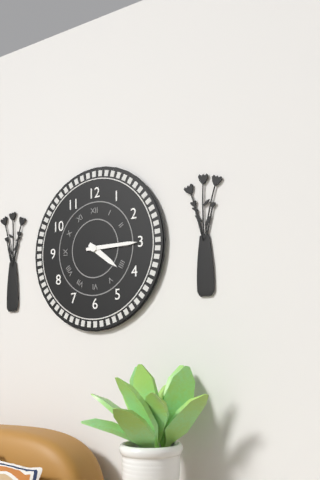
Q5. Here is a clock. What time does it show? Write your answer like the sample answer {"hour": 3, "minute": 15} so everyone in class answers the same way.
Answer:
{"hour": 4, "minute": 15}
